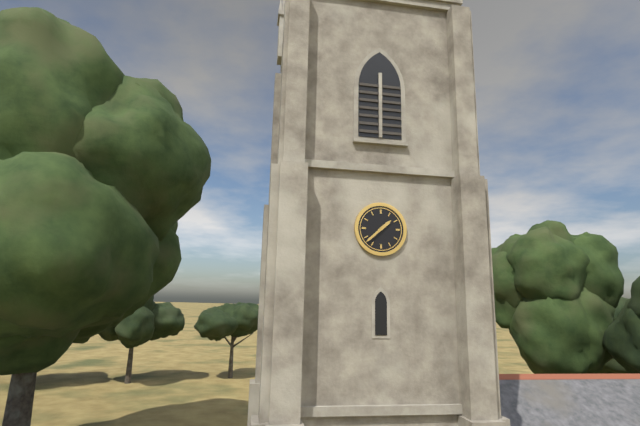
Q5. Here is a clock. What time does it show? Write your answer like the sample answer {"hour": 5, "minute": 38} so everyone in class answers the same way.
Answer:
{"hour": 1, "minute": 38}
